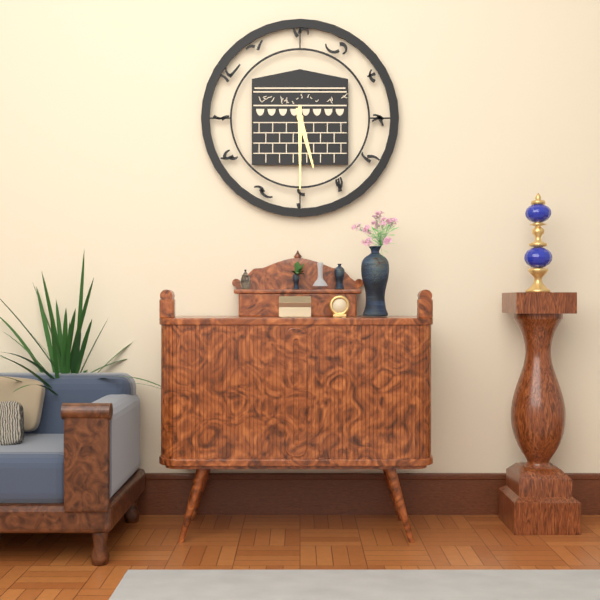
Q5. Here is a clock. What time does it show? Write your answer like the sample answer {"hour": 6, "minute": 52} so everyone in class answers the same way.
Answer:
{"hour": 5, "minute": 30}
